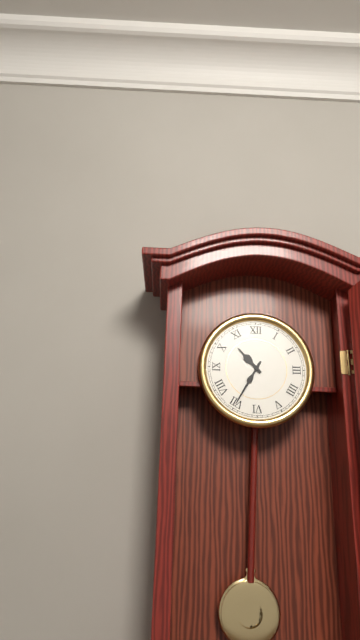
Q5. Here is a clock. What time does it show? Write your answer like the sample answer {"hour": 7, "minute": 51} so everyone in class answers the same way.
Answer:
{"hour": 10, "minute": 35}
